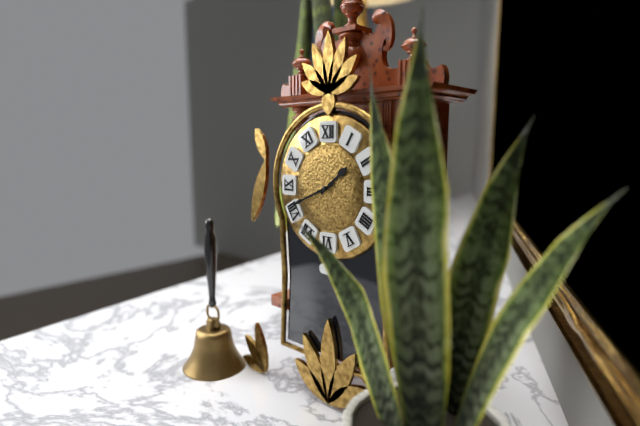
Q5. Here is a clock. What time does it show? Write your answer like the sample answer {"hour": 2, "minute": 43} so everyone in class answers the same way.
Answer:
{"hour": 1, "minute": 41}
